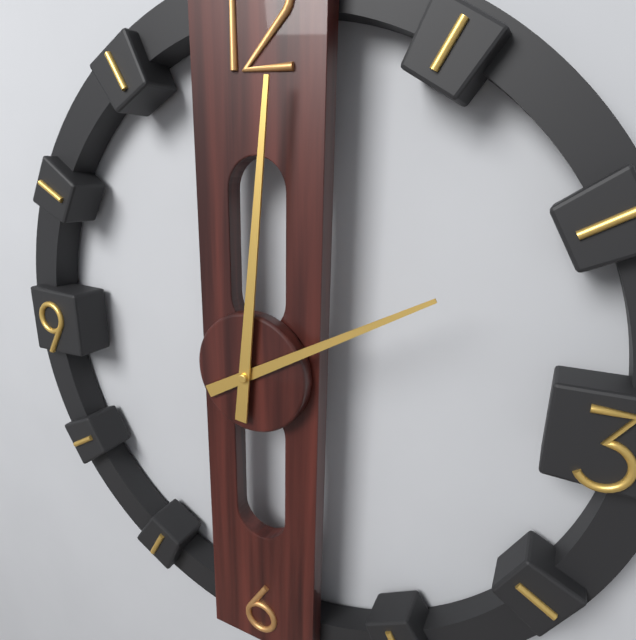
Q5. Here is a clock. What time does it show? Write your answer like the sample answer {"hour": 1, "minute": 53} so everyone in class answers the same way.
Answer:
{"hour": 2, "minute": 1}
